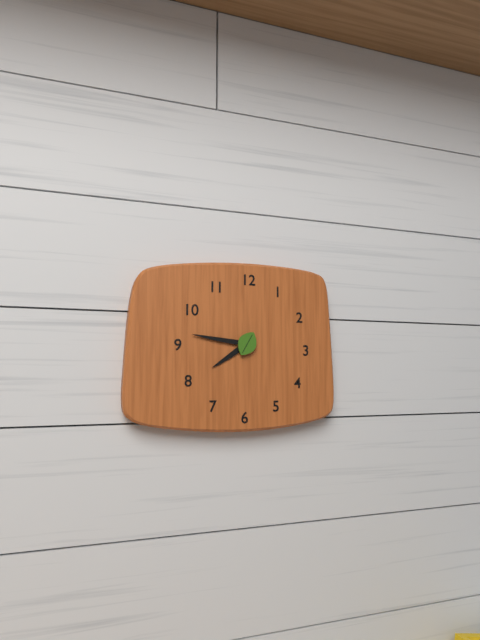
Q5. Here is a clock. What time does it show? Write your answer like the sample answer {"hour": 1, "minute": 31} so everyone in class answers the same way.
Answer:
{"hour": 7, "minute": 46}
